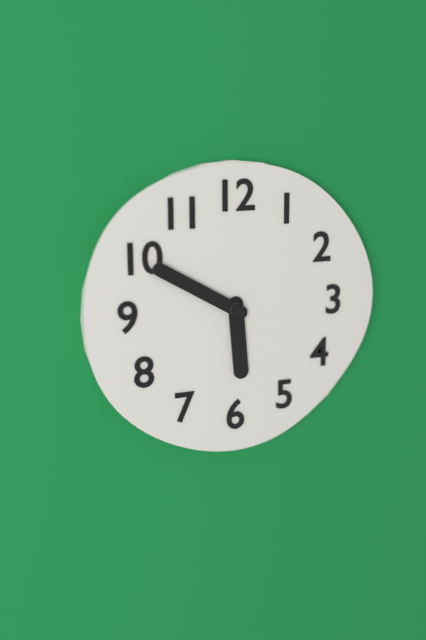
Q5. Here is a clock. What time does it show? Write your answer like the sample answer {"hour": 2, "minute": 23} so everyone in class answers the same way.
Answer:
{"hour": 5, "minute": 50}
